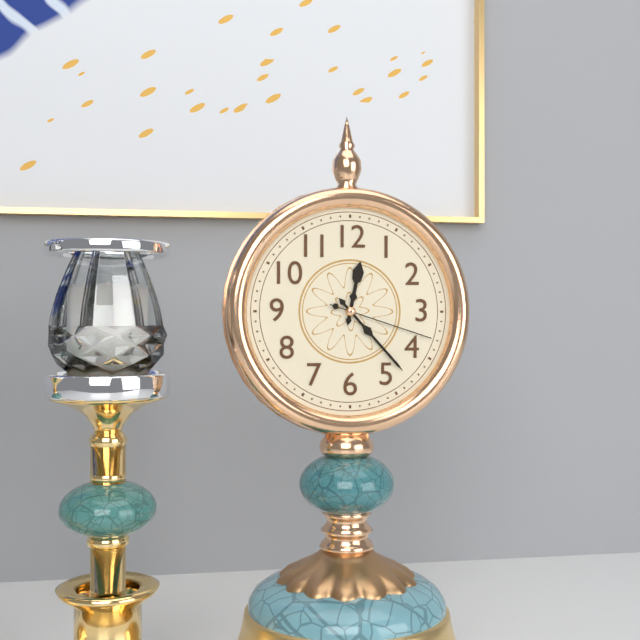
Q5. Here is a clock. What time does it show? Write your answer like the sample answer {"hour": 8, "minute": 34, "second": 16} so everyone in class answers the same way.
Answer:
{"hour": 12, "minute": 23, "second": 18}
